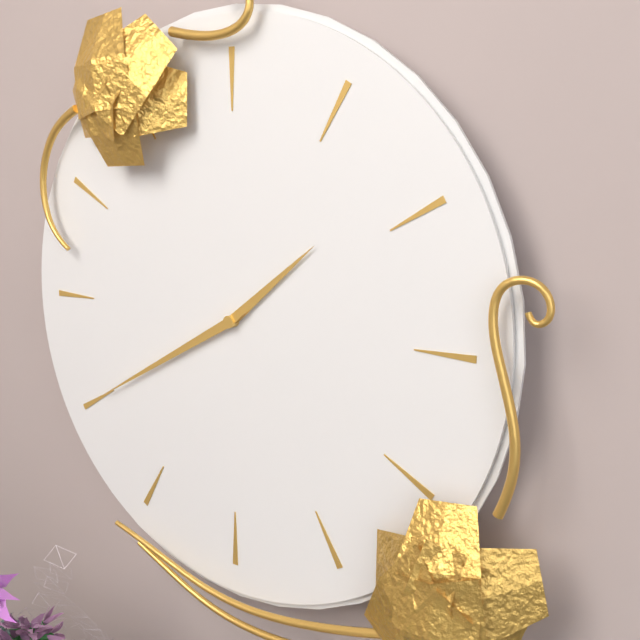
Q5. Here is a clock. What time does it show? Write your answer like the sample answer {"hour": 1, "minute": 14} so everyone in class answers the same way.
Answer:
{"hour": 1, "minute": 40}
